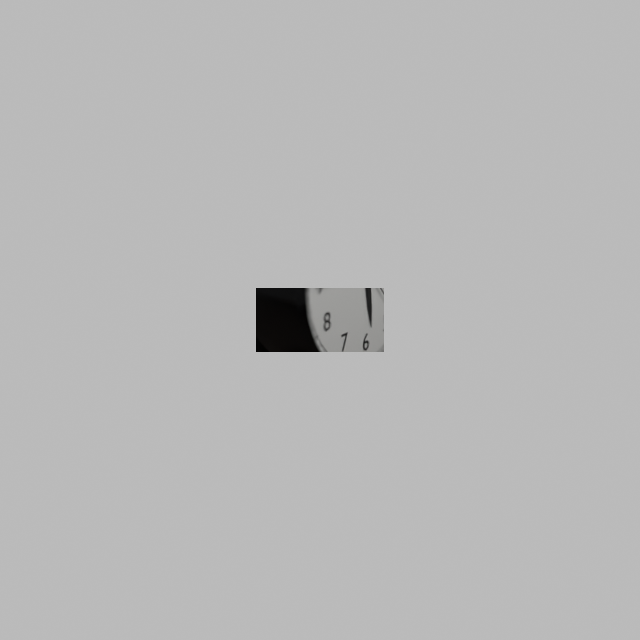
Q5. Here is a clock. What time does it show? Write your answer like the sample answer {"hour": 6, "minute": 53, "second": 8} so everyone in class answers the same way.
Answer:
{"hour": 5, "minute": 45, "second": 23}
